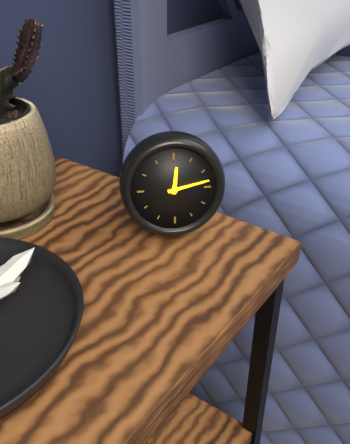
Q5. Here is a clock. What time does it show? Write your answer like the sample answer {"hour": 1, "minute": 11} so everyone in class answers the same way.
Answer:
{"hour": 12, "minute": 13}
